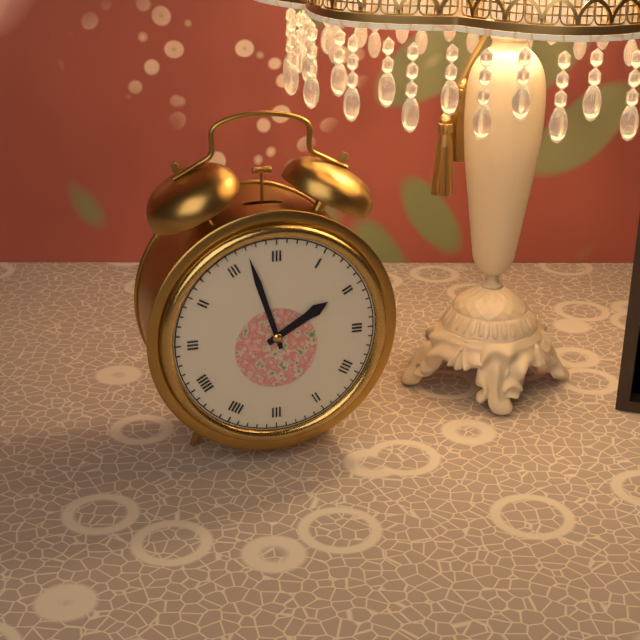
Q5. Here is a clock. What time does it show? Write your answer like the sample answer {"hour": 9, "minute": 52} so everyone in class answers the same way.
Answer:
{"hour": 1, "minute": 57}
